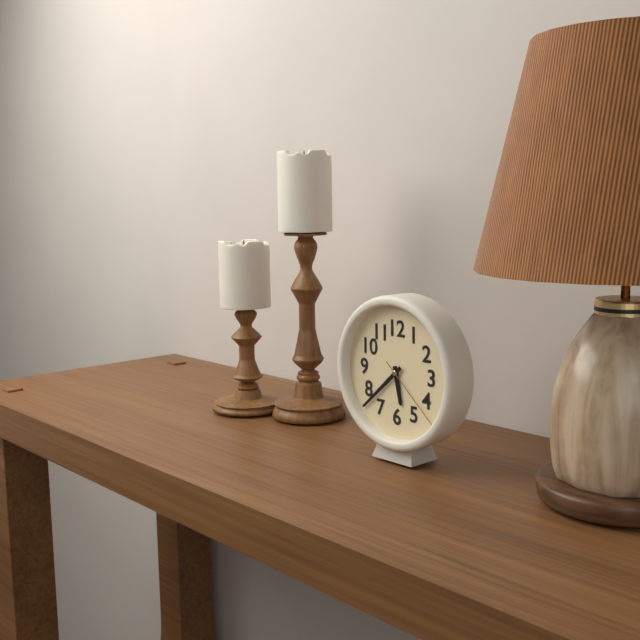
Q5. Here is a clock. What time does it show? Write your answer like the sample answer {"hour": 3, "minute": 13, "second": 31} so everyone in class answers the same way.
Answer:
{"hour": 5, "minute": 38, "second": 22}
